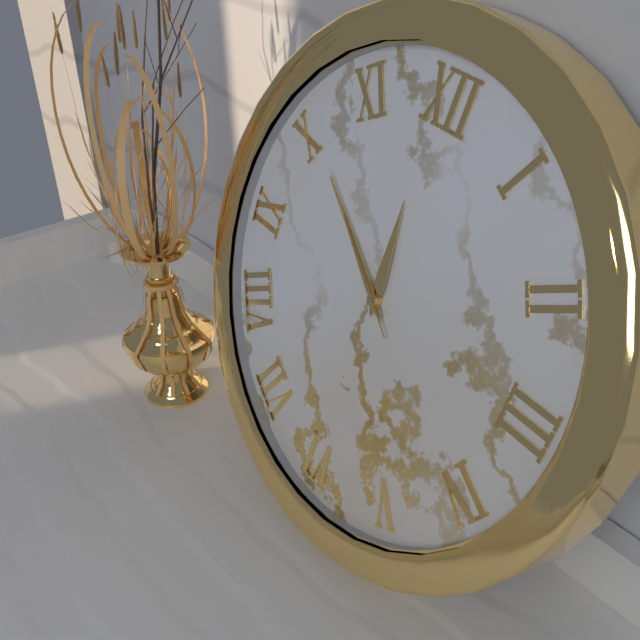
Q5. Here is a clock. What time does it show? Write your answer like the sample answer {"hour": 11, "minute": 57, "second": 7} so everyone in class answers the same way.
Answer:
{"hour": 11, "minute": 51, "second": 51}
